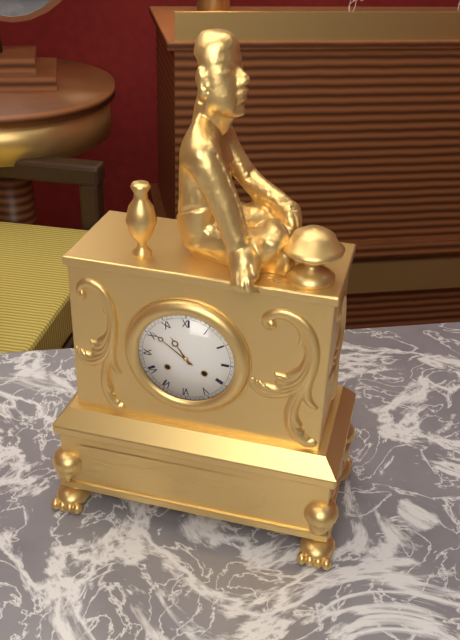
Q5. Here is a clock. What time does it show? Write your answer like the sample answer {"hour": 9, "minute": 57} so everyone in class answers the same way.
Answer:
{"hour": 10, "minute": 51}
